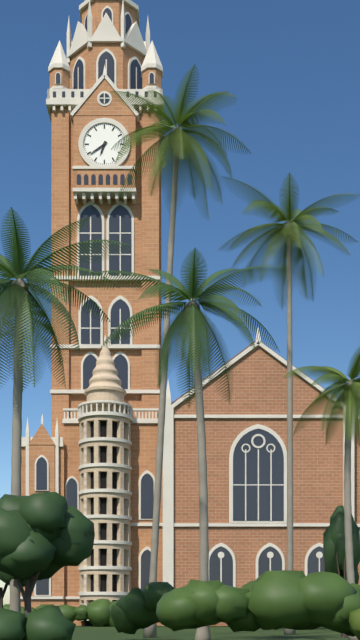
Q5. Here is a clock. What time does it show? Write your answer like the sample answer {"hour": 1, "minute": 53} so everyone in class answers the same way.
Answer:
{"hour": 6, "minute": 39}
